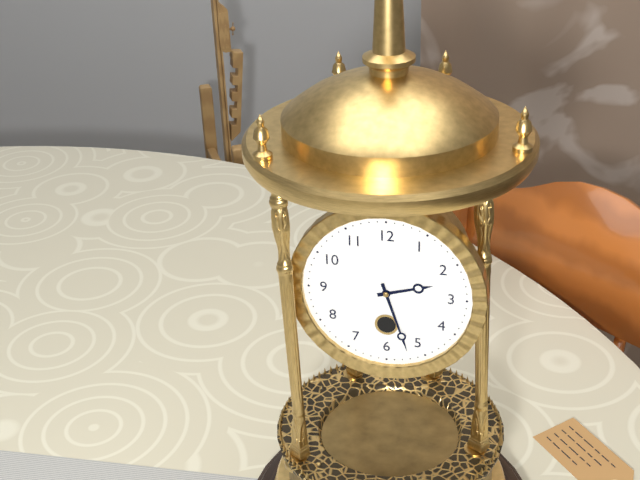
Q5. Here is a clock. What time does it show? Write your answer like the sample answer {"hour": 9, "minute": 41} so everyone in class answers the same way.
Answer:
{"hour": 2, "minute": 27}
